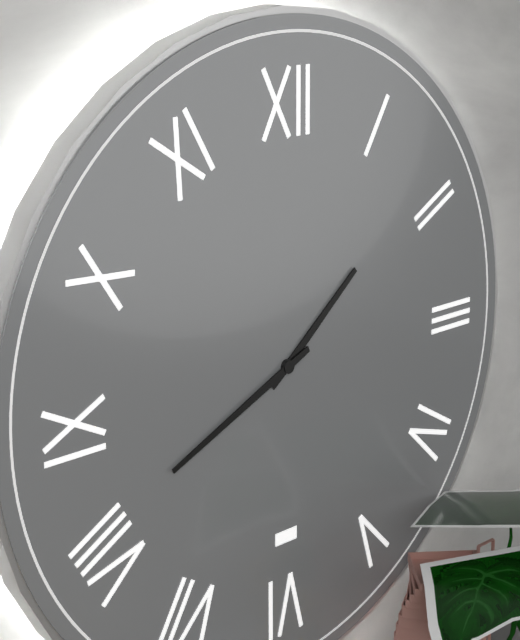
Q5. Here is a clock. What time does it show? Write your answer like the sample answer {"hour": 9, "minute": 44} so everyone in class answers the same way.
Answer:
{"hour": 1, "minute": 41}
